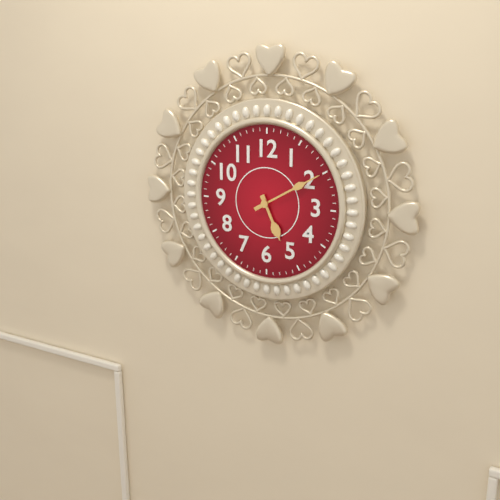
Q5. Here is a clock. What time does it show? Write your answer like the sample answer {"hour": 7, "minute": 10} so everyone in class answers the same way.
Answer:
{"hour": 5, "minute": 10}
